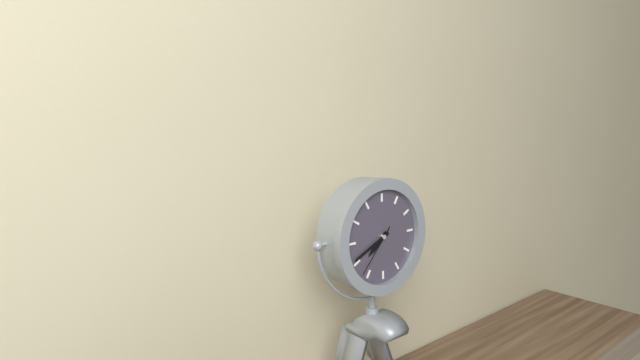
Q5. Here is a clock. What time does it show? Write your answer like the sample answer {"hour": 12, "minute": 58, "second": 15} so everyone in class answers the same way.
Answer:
{"hour": 7, "minute": 41, "second": 37}
